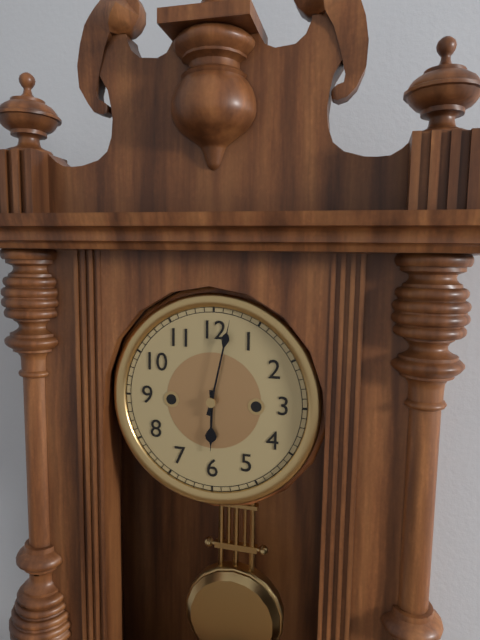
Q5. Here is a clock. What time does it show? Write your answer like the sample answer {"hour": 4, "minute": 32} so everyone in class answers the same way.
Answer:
{"hour": 6, "minute": 2}
